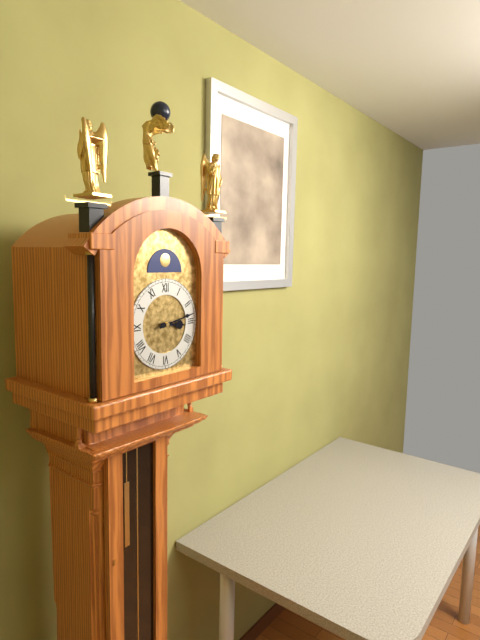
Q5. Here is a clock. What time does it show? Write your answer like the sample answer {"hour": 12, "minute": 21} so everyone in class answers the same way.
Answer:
{"hour": 3, "minute": 13}
